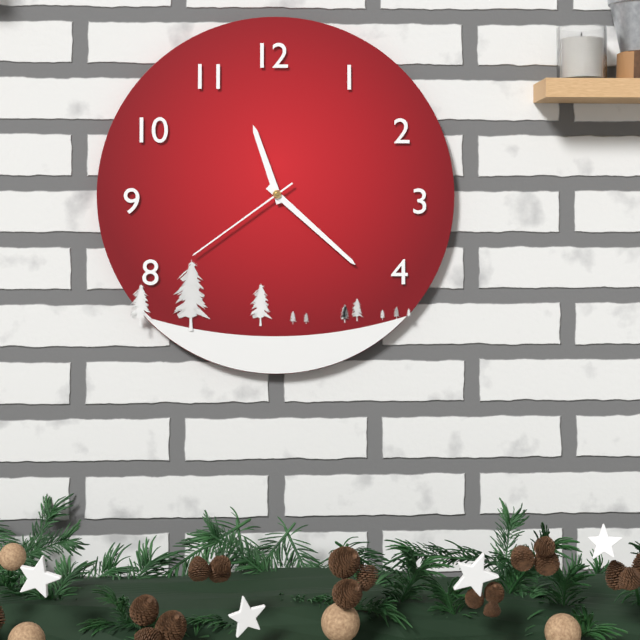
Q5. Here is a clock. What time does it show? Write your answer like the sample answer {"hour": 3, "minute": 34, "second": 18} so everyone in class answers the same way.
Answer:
{"hour": 11, "minute": 22, "second": 39}
